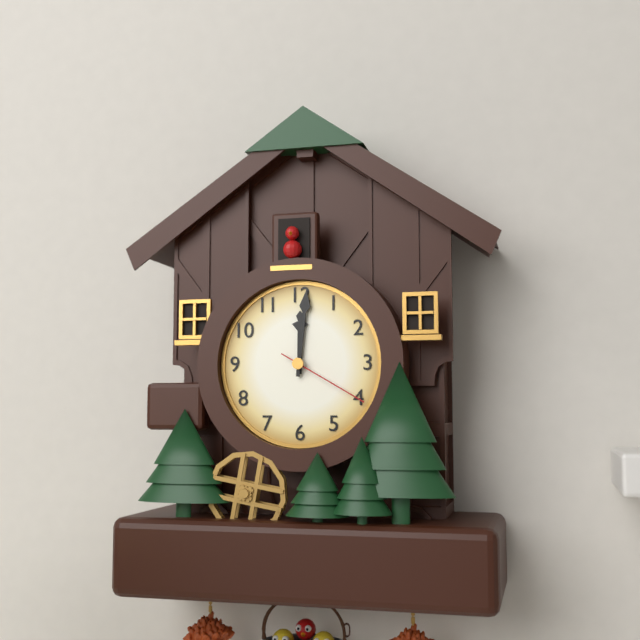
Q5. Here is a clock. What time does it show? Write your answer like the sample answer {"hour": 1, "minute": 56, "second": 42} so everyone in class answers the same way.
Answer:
{"hour": 12, "minute": 1, "second": 20}
